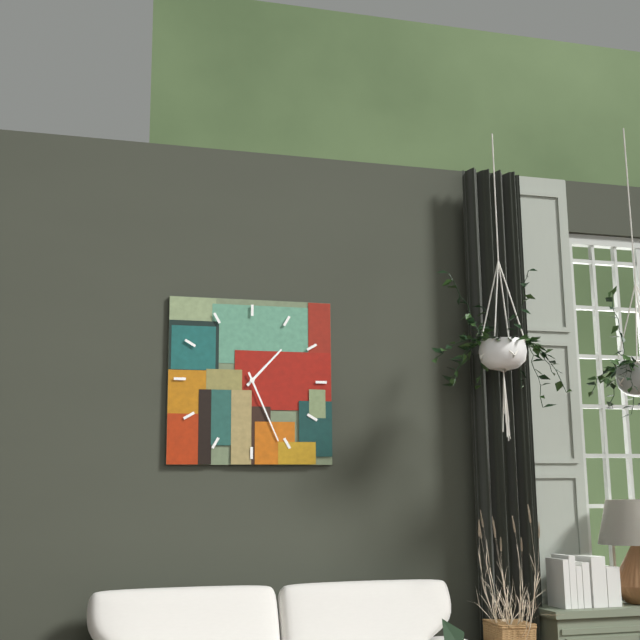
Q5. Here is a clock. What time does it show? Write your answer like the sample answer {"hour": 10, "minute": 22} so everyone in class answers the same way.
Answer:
{"hour": 1, "minute": 26}
